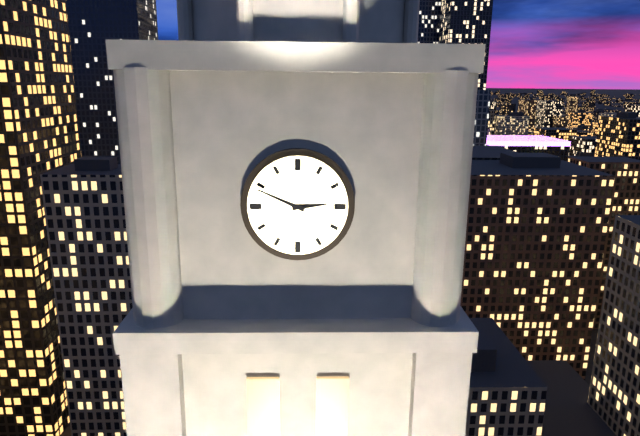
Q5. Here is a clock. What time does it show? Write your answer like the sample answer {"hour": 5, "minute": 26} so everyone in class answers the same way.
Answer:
{"hour": 2, "minute": 49}
